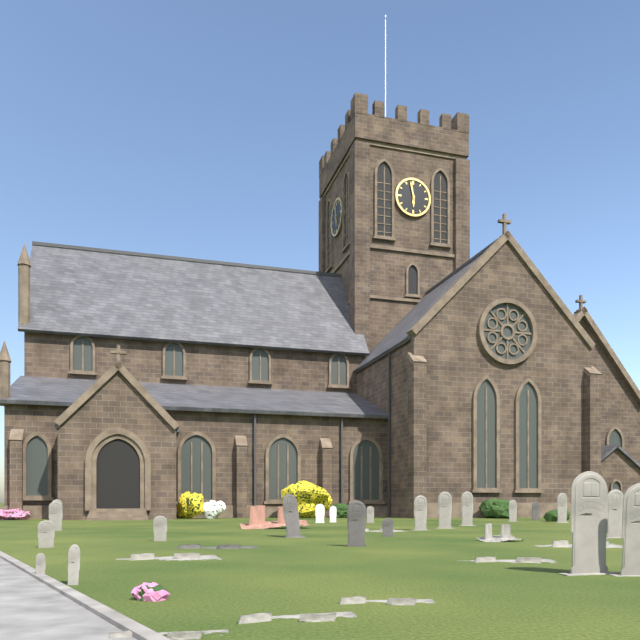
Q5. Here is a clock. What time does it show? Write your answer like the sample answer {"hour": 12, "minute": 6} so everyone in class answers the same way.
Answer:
{"hour": 5, "minute": 58}
